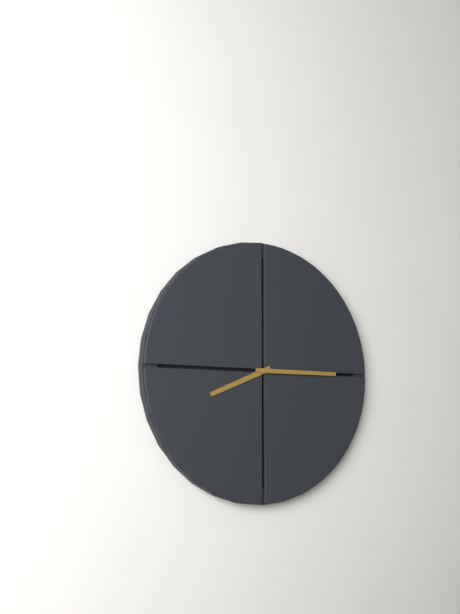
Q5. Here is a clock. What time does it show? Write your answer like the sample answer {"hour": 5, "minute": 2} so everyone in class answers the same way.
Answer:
{"hour": 8, "minute": 15}
